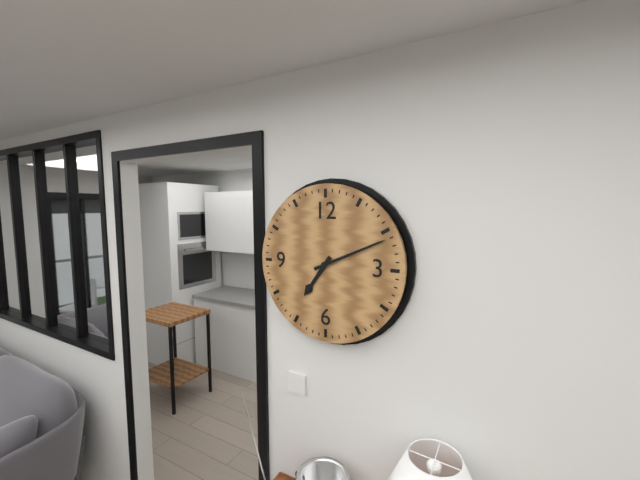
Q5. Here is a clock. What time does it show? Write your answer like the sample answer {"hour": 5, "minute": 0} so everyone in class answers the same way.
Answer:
{"hour": 7, "minute": 11}
